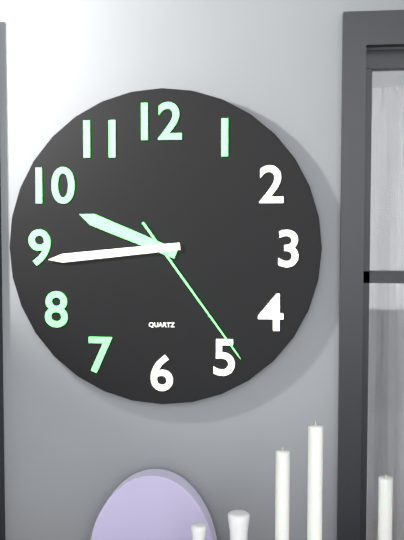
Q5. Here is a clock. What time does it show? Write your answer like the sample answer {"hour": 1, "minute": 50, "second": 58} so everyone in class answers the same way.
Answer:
{"hour": 9, "minute": 44, "second": 24}
